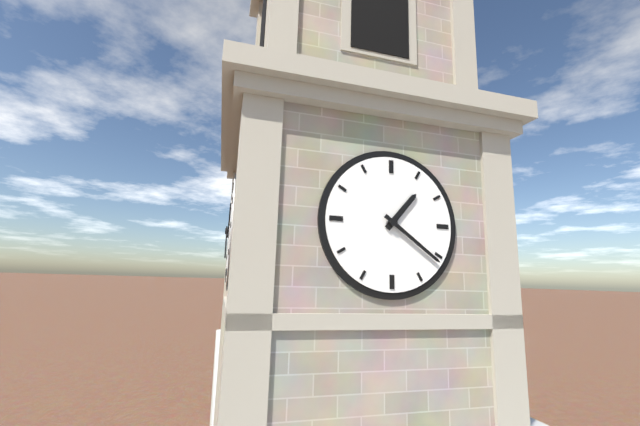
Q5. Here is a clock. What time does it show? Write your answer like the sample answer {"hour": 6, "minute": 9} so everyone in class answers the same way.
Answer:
{"hour": 1, "minute": 21}
